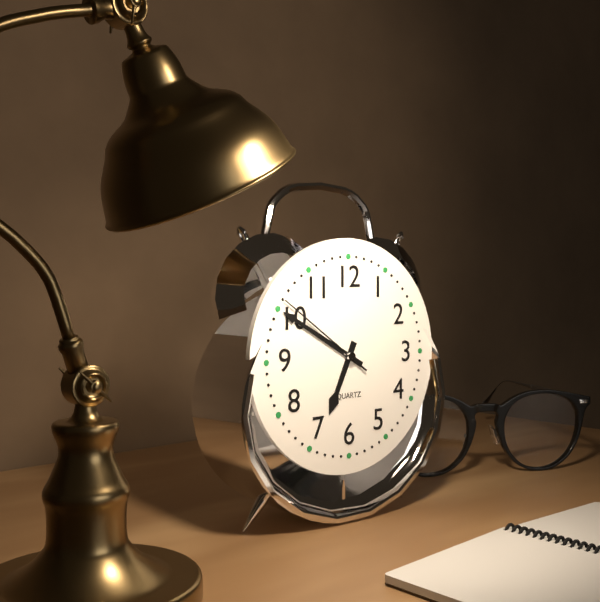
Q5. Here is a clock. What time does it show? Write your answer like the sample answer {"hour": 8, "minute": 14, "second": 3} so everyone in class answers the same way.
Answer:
{"hour": 6, "minute": 50, "second": 51}
